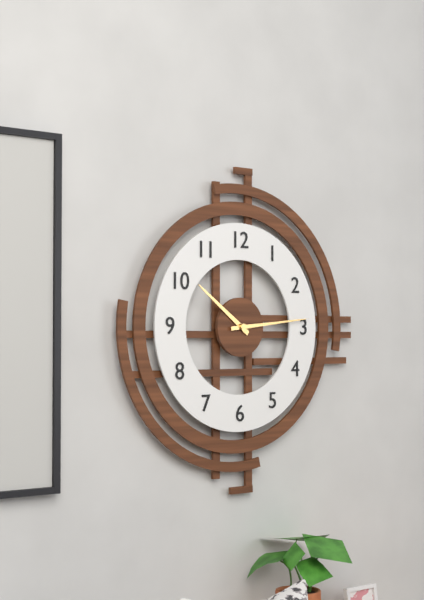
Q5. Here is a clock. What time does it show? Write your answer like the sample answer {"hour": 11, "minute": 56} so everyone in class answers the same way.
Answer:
{"hour": 10, "minute": 14}
